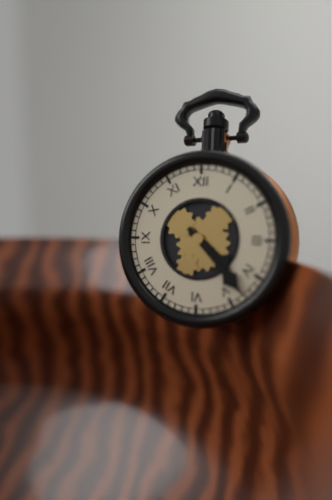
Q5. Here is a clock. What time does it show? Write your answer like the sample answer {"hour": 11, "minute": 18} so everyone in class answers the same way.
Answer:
{"hour": 4, "minute": 23}
